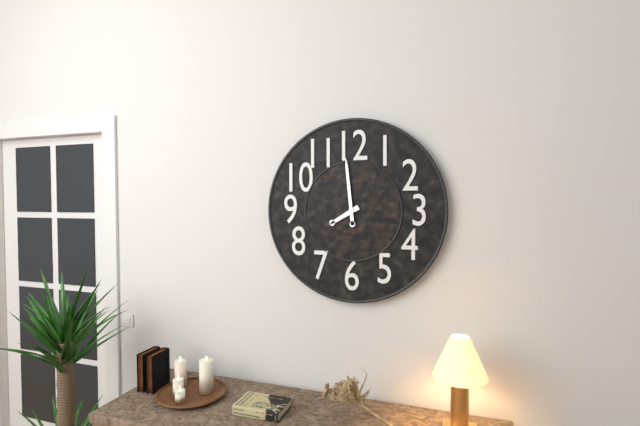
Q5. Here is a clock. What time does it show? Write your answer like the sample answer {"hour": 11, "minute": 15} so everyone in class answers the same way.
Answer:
{"hour": 7, "minute": 59}
